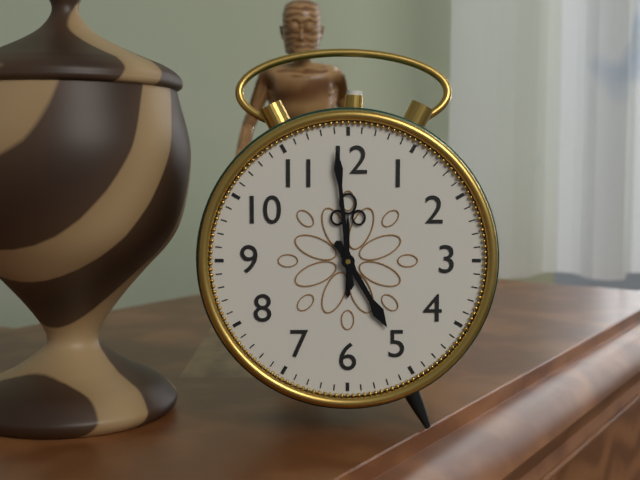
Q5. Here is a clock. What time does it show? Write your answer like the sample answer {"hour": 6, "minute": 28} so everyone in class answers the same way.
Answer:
{"hour": 4, "minute": 59}
